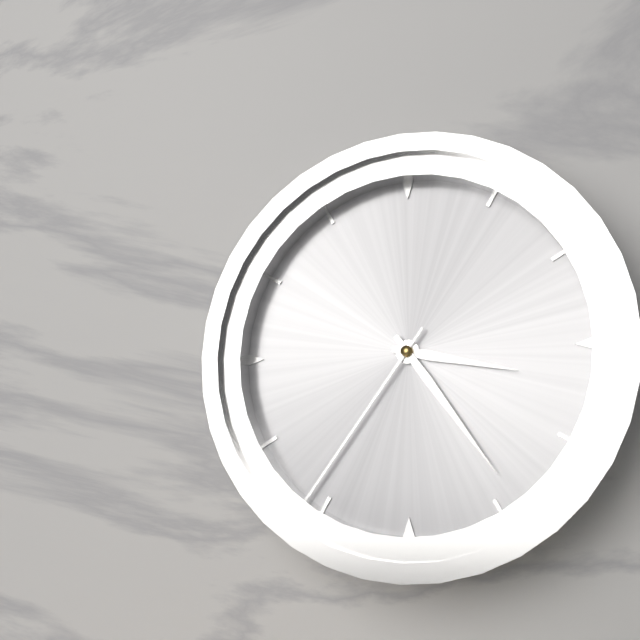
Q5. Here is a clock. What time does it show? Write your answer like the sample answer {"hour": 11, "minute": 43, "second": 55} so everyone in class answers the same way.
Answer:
{"hour": 3, "minute": 24, "second": 36}
